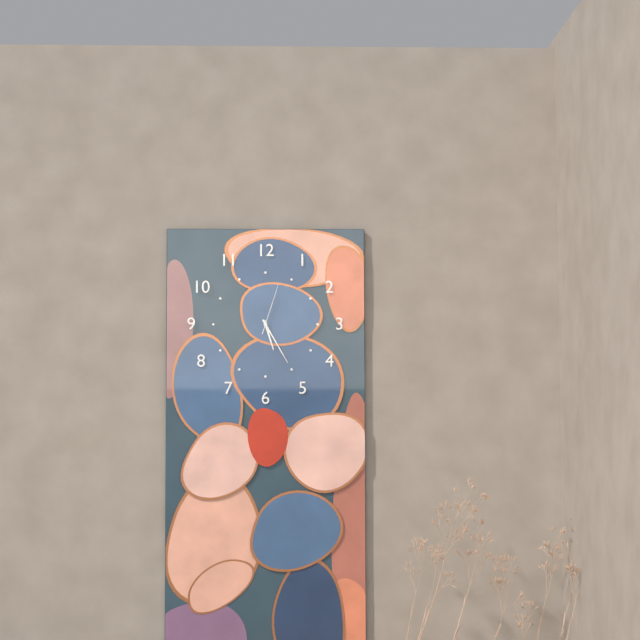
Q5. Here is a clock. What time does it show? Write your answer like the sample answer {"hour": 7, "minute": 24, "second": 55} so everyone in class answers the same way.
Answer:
{"hour": 5, "minute": 25, "second": 3}
